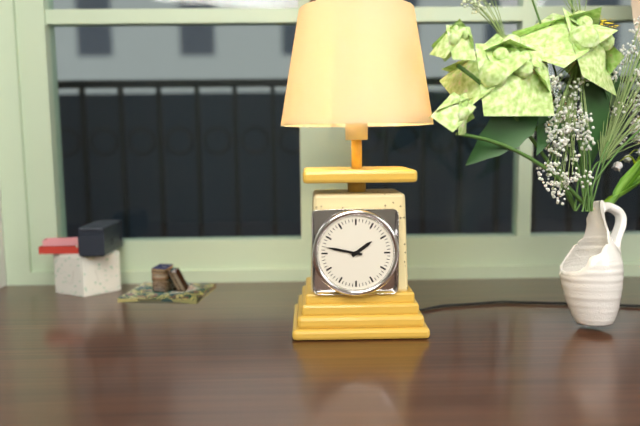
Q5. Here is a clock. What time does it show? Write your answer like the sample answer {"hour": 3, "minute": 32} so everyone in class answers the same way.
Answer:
{"hour": 1, "minute": 47}
